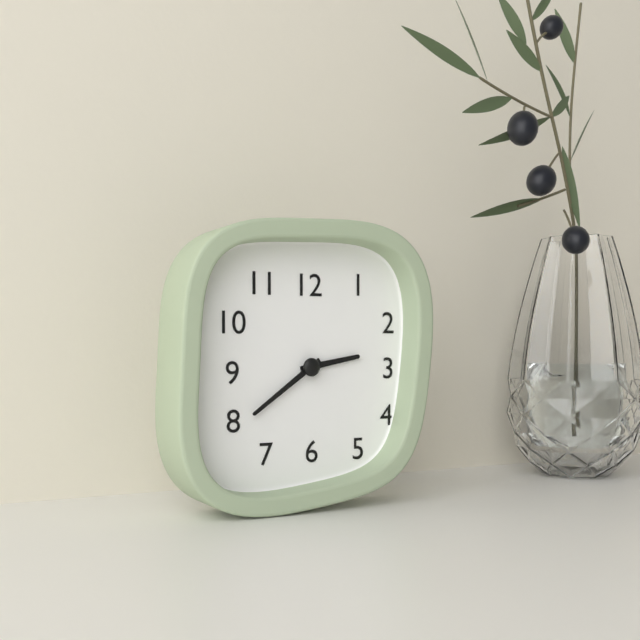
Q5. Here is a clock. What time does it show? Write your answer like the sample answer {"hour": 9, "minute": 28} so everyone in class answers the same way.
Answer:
{"hour": 2, "minute": 39}
